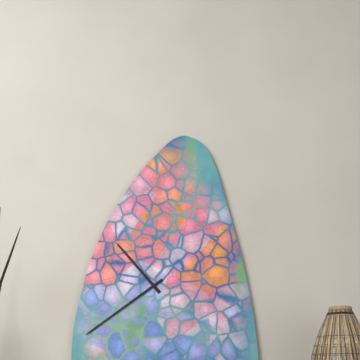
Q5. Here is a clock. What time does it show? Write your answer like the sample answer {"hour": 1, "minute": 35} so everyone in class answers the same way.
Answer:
{"hour": 10, "minute": 39}
